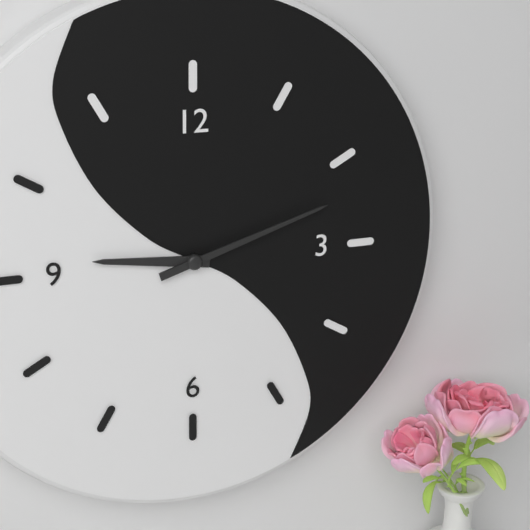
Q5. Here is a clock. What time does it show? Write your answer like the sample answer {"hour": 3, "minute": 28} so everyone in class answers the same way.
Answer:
{"hour": 9, "minute": 12}
